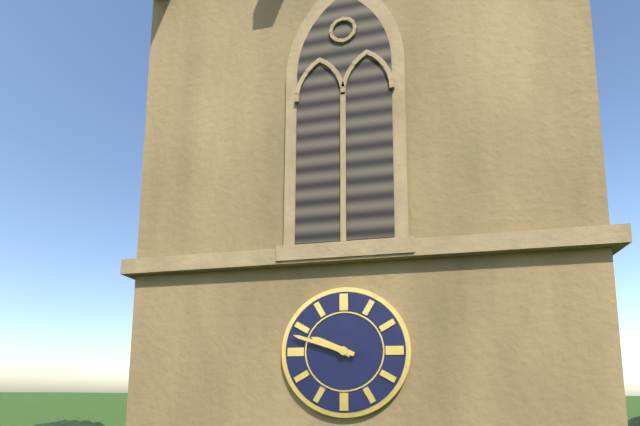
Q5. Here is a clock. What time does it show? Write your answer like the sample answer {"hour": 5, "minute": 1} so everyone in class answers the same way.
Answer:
{"hour": 9, "minute": 48}
